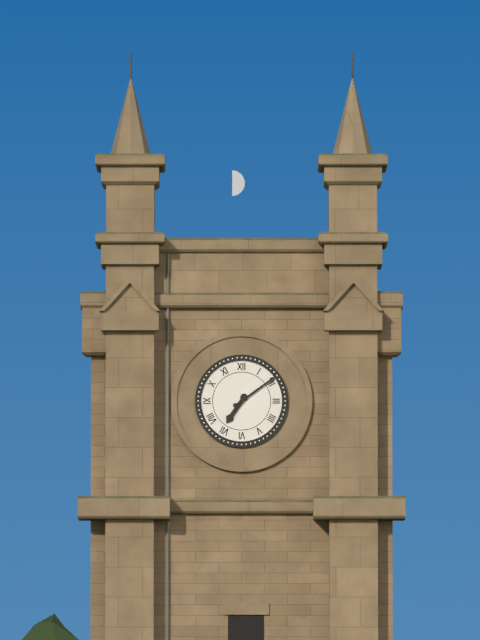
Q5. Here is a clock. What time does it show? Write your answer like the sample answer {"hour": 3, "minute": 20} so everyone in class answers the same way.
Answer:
{"hour": 7, "minute": 9}
